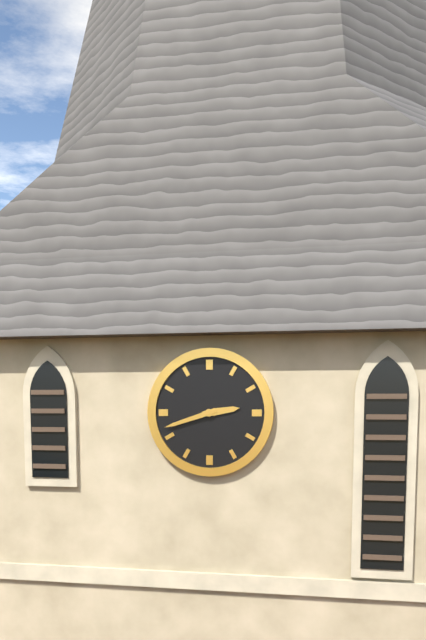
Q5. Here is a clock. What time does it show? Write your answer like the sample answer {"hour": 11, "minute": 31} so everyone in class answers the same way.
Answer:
{"hour": 2, "minute": 42}
